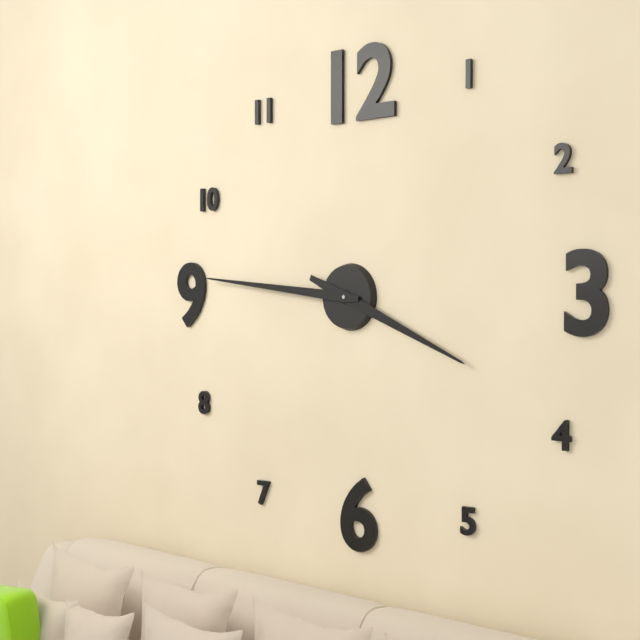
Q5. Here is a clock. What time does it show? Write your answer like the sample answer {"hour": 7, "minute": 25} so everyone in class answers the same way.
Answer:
{"hour": 3, "minute": 46}
